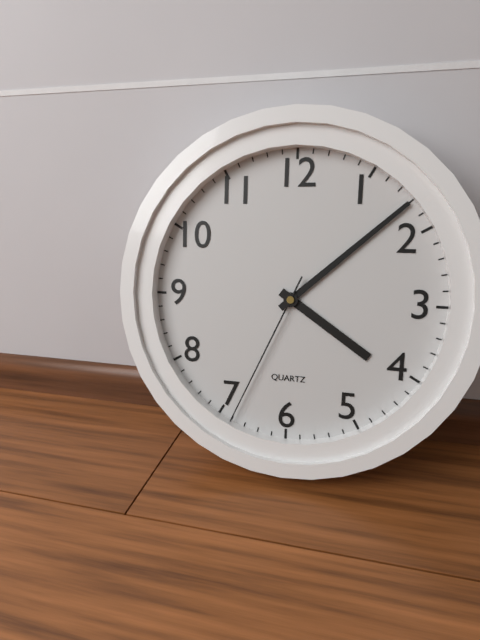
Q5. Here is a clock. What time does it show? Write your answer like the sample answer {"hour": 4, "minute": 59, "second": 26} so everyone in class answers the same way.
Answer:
{"hour": 4, "minute": 8, "second": 34}
